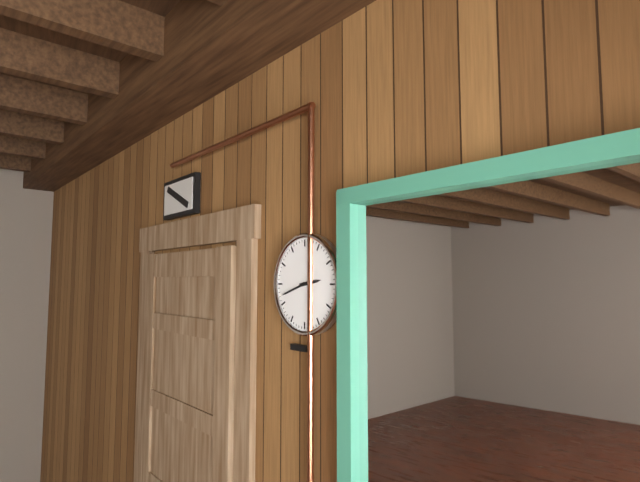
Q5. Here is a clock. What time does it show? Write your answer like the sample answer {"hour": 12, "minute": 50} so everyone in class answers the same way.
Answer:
{"hour": 2, "minute": 42}
